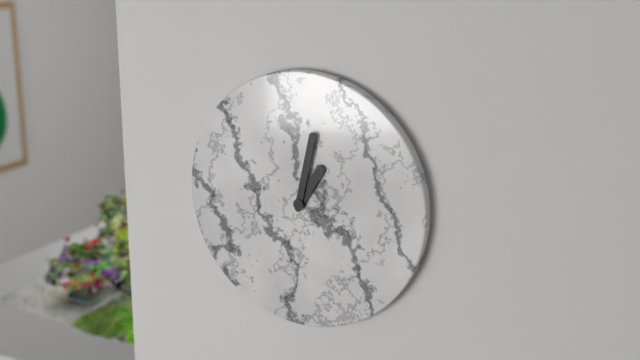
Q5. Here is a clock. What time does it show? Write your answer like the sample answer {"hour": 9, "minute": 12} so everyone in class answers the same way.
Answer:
{"hour": 1, "minute": 2}
